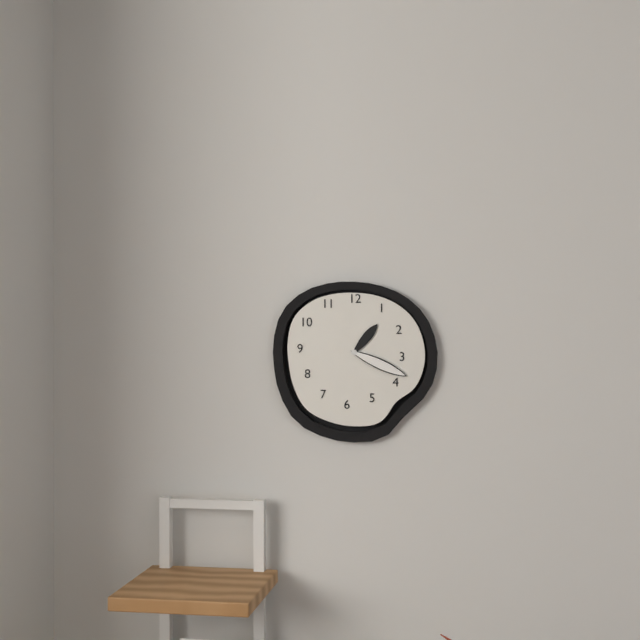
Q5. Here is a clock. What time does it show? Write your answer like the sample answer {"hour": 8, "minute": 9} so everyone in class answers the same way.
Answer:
{"hour": 1, "minute": 19}
